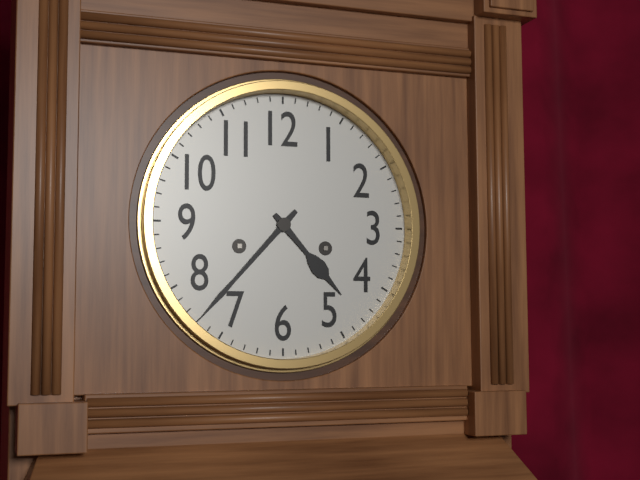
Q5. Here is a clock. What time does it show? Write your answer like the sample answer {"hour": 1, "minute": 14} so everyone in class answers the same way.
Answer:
{"hour": 4, "minute": 37}
